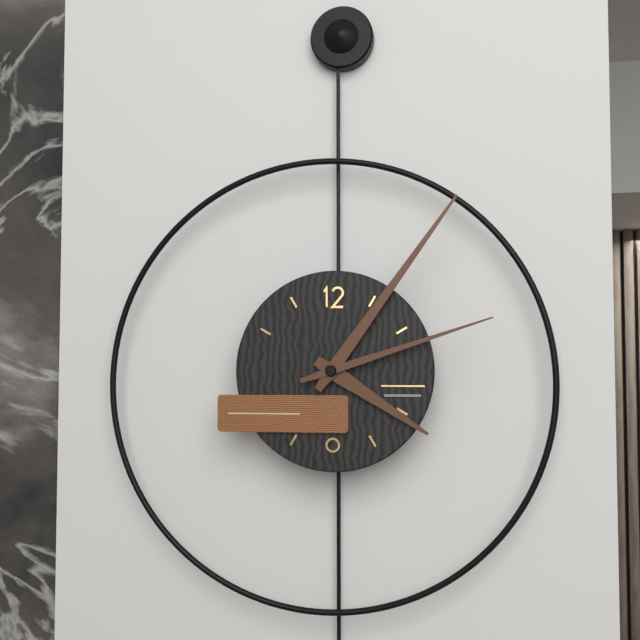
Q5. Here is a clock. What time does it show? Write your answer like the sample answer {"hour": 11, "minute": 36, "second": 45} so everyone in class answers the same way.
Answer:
{"hour": 4, "minute": 6, "second": 12}
